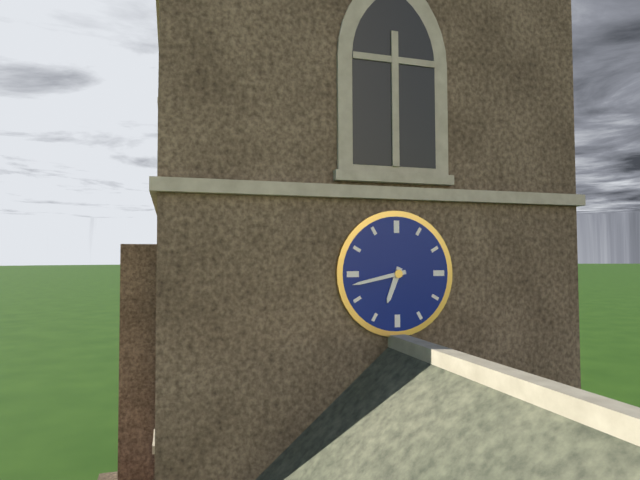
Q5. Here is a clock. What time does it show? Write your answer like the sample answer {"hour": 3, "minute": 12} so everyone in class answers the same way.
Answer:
{"hour": 6, "minute": 43}
